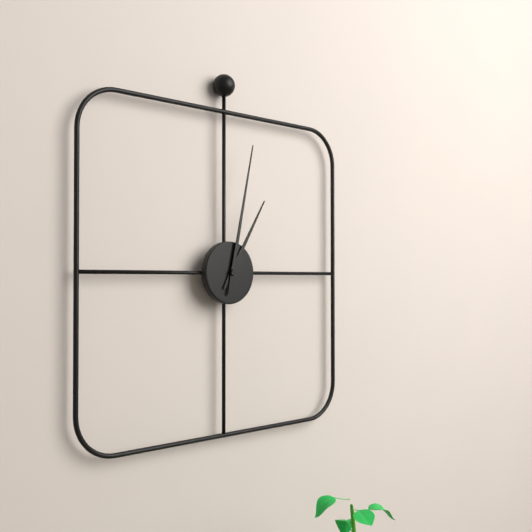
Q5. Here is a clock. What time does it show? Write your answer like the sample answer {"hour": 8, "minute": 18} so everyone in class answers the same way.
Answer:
{"hour": 1, "minute": 2}
